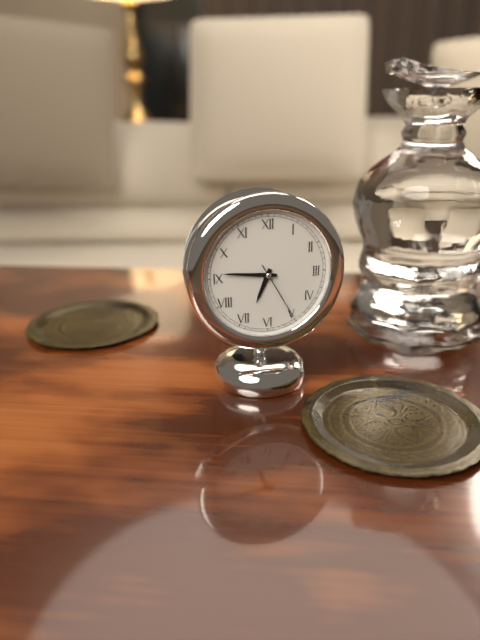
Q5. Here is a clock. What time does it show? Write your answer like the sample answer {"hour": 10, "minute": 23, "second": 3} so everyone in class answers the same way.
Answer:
{"hour": 6, "minute": 46, "second": 25}
